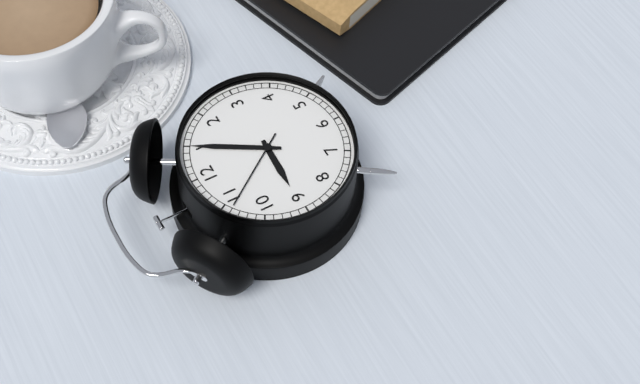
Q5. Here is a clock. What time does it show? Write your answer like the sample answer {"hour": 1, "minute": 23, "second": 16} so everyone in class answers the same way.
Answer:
{"hour": 9, "minute": 5, "second": 54}
